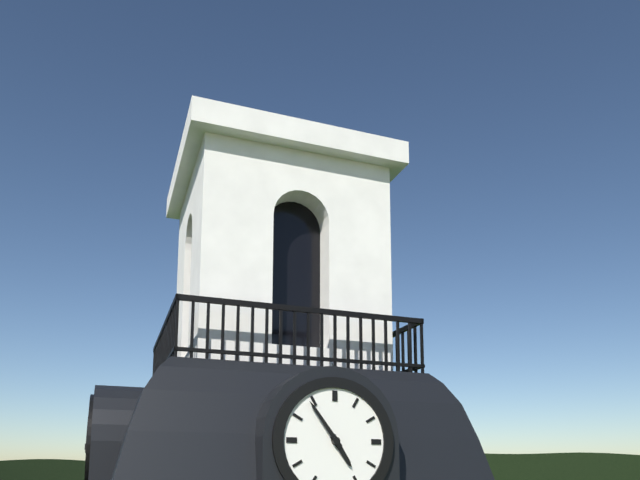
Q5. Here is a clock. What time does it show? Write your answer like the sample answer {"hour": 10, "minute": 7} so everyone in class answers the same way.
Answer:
{"hour": 4, "minute": 54}
